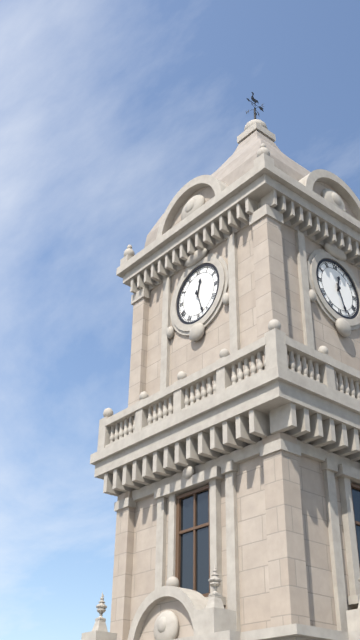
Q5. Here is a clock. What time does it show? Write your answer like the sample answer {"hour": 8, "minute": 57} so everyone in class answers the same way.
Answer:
{"hour": 12, "minute": 27}
